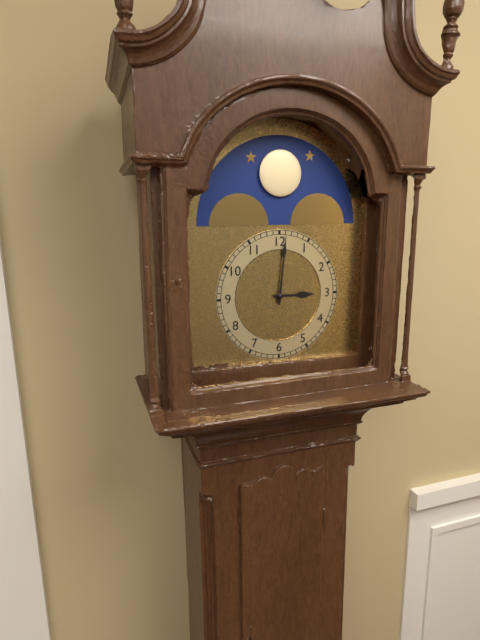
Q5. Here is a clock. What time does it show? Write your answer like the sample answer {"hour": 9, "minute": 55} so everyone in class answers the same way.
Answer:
{"hour": 3, "minute": 1}
